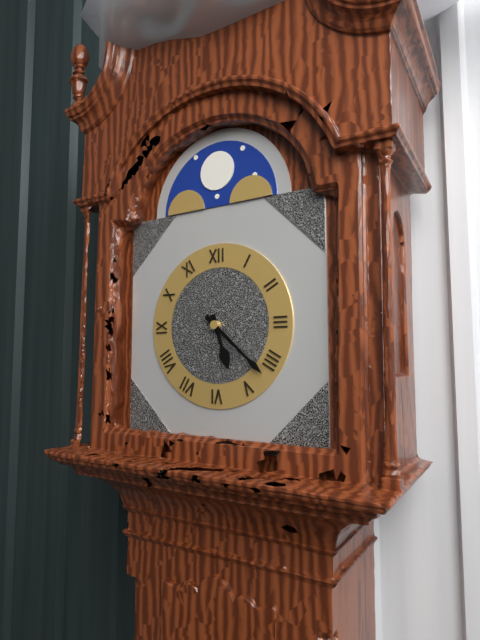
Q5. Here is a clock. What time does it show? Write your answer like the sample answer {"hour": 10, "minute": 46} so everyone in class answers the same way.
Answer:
{"hour": 5, "minute": 22}
